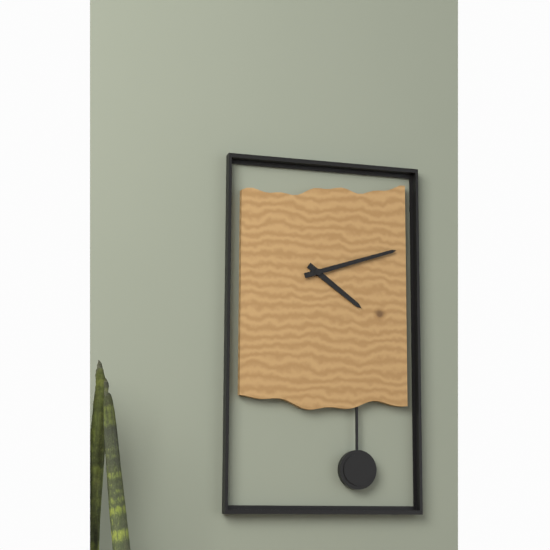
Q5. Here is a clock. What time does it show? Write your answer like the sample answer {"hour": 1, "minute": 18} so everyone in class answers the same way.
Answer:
{"hour": 4, "minute": 12}
